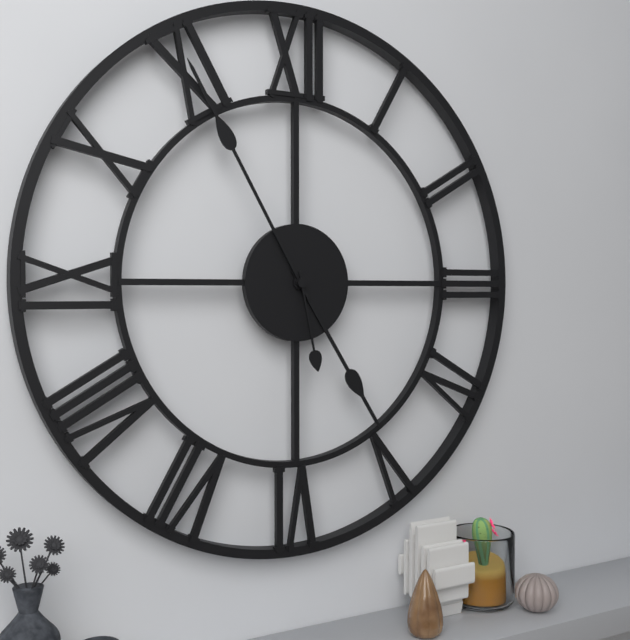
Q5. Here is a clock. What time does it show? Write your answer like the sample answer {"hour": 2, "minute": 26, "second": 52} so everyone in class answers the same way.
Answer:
{"hour": 4, "minute": 55, "second": 28}
